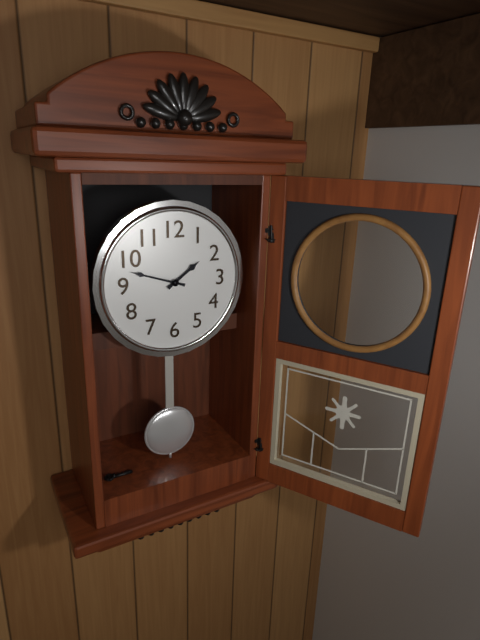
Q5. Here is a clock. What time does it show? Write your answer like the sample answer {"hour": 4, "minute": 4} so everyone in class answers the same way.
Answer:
{"hour": 1, "minute": 48}
